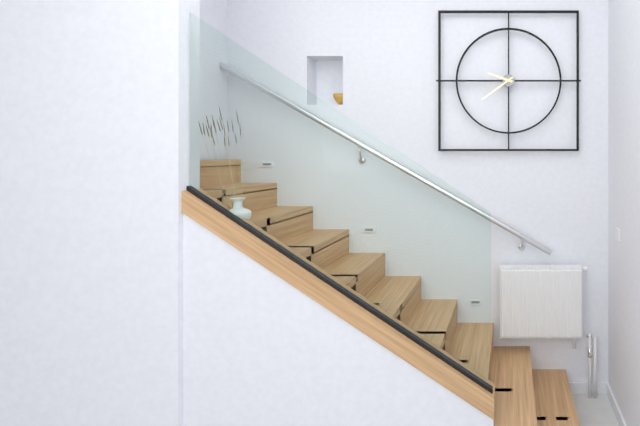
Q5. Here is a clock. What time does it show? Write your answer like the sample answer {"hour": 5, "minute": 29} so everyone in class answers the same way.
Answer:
{"hour": 9, "minute": 39}
